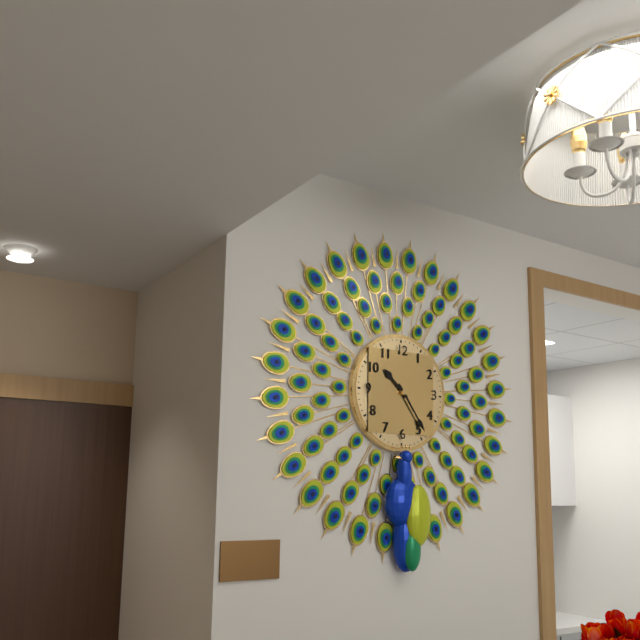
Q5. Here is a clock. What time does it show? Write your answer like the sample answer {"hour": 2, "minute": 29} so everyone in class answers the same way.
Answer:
{"hour": 10, "minute": 24}
